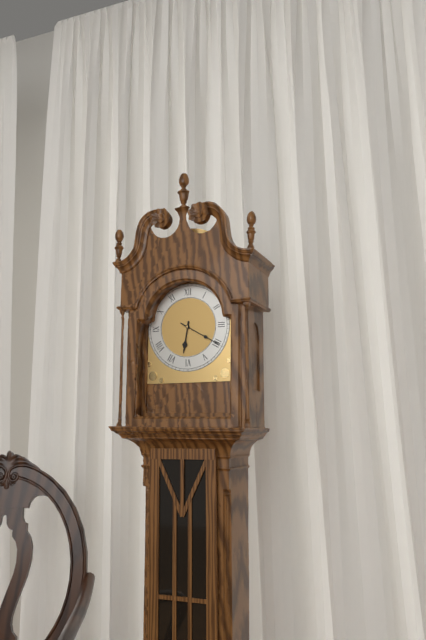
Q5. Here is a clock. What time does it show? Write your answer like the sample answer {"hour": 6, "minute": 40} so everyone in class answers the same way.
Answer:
{"hour": 6, "minute": 20}
